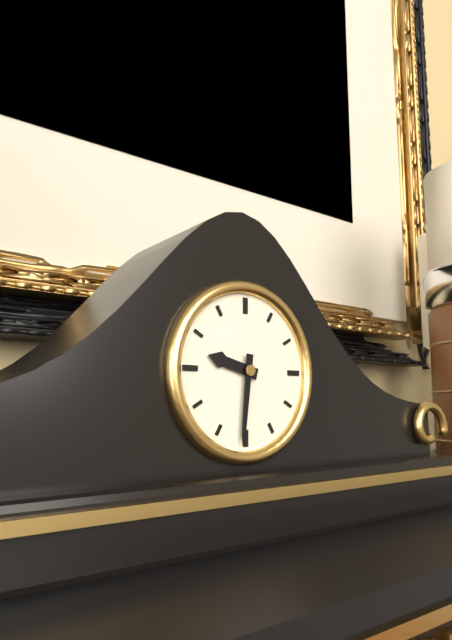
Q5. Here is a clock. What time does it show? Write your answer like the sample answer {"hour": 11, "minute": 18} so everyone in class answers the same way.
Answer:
{"hour": 9, "minute": 31}
